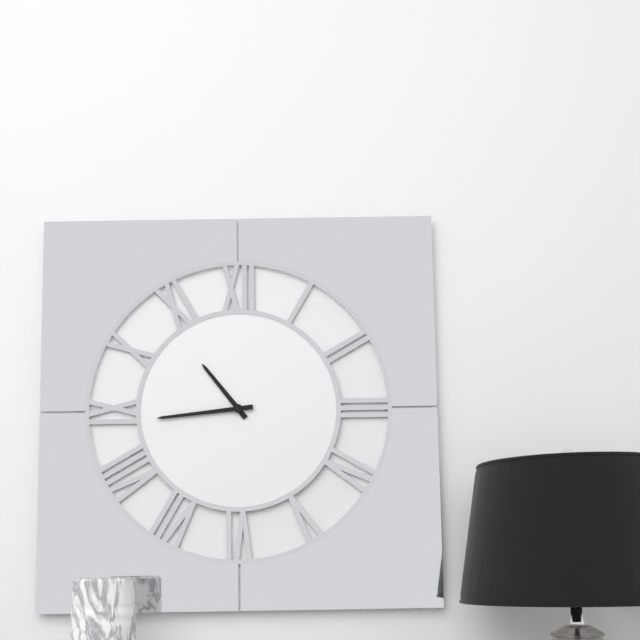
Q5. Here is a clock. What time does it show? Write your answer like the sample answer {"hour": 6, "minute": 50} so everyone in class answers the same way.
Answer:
{"hour": 10, "minute": 44}
